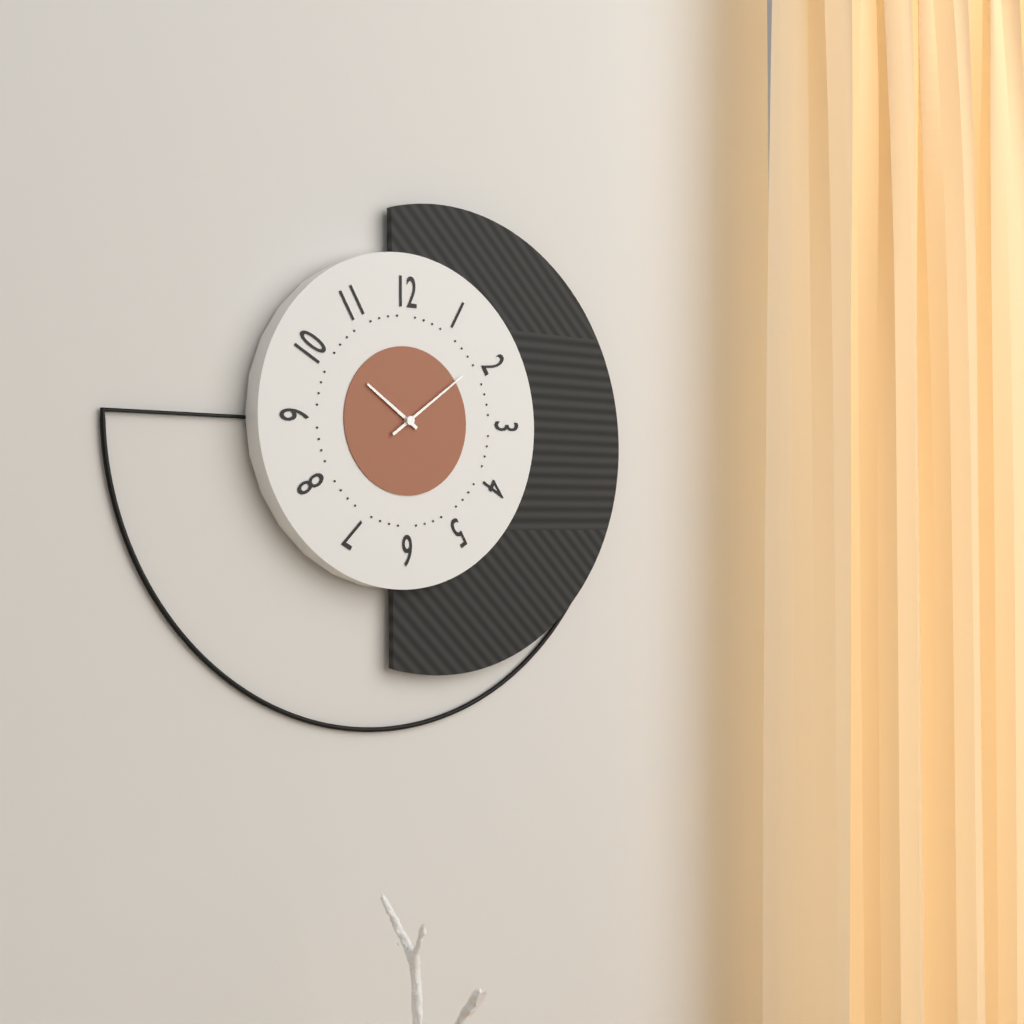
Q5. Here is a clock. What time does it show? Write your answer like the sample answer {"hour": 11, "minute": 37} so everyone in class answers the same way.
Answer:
{"hour": 10, "minute": 9}
